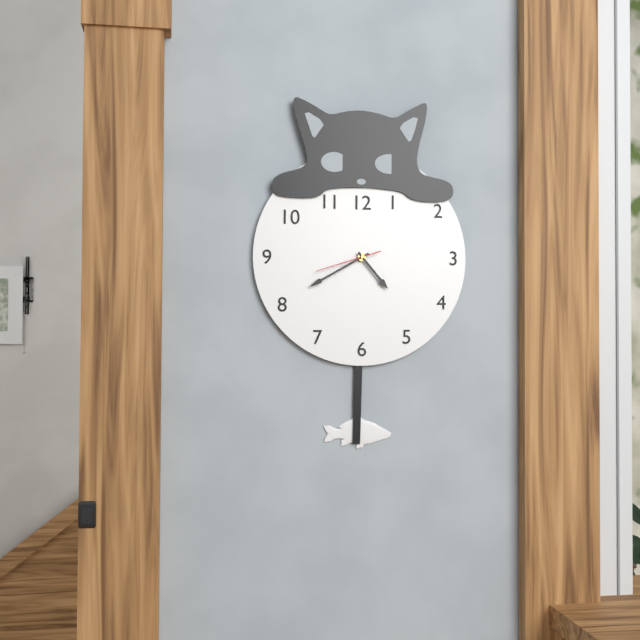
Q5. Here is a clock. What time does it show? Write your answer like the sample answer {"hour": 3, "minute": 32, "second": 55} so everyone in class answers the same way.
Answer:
{"hour": 4, "minute": 40, "second": 42}
